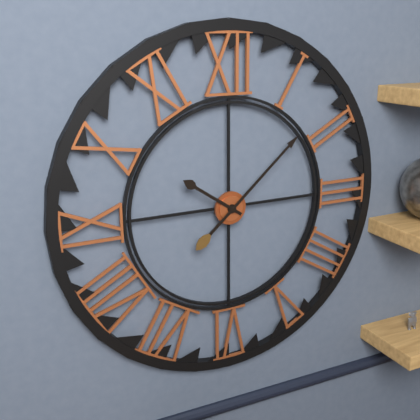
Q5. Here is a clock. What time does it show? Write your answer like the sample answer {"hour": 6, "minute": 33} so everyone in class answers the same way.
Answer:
{"hour": 10, "minute": 8}
